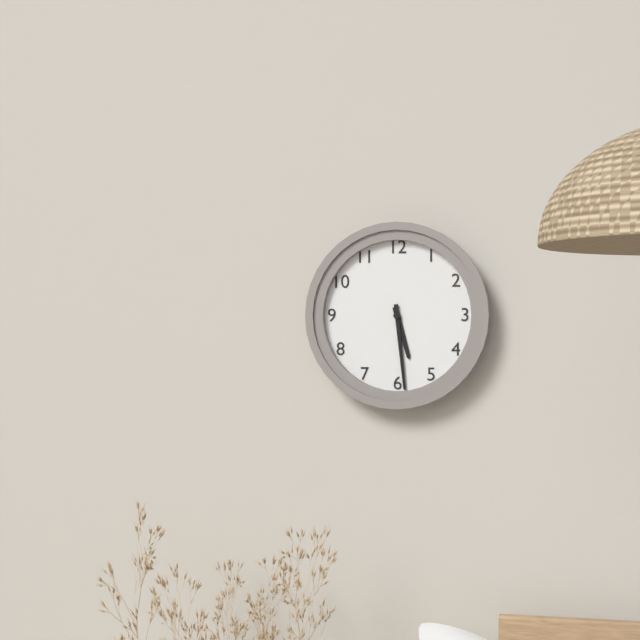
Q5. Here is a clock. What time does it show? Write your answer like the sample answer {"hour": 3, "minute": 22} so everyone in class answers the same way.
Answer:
{"hour": 5, "minute": 29}
